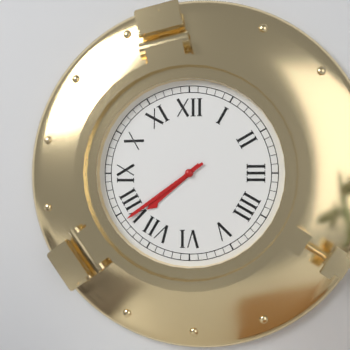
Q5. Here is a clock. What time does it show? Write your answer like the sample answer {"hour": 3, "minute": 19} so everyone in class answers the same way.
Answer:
{"hour": 7, "minute": 39}
